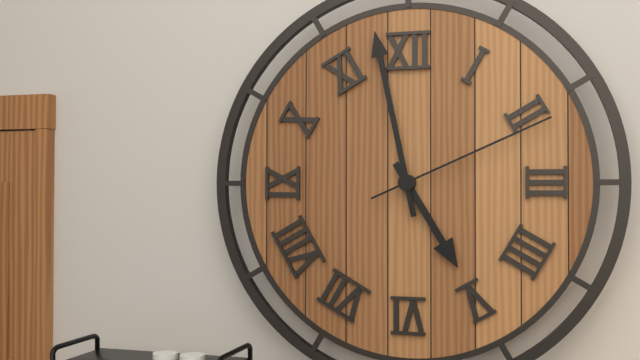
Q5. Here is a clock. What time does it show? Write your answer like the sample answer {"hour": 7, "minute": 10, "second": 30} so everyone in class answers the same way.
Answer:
{"hour": 4, "minute": 58, "second": 11}
